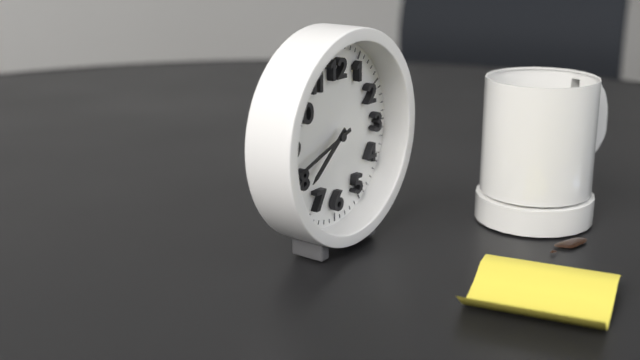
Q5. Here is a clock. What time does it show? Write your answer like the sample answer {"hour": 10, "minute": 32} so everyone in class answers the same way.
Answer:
{"hour": 7, "minute": 42}
